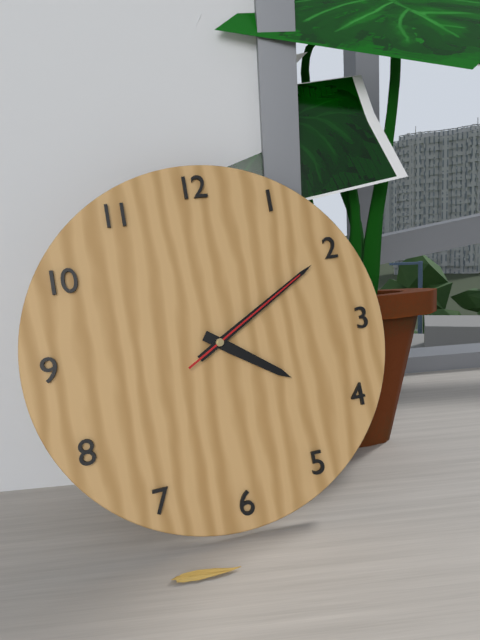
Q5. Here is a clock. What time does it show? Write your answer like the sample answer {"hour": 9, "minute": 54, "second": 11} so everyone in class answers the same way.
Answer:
{"hour": 4, "minute": 10, "second": 10}
